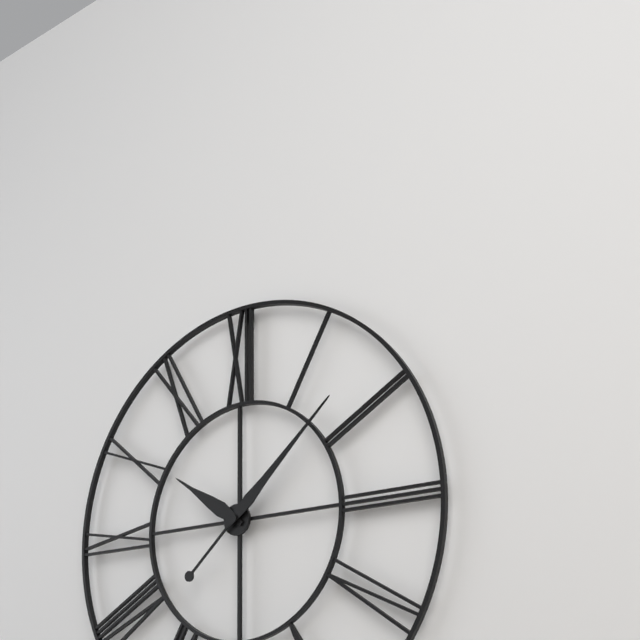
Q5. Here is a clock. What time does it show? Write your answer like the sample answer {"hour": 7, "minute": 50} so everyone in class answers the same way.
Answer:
{"hour": 10, "minute": 8}
